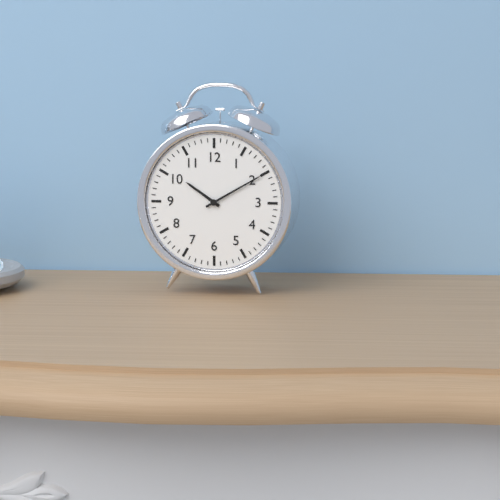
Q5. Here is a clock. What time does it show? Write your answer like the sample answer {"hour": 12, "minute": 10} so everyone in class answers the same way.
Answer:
{"hour": 10, "minute": 10}
